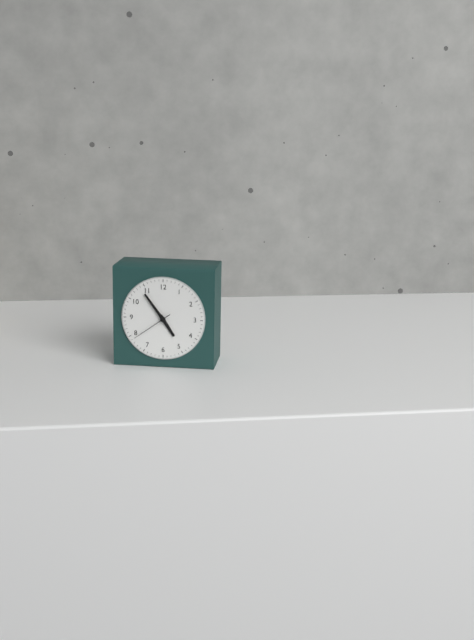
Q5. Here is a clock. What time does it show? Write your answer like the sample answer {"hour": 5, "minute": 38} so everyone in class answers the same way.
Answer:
{"hour": 4, "minute": 54}
